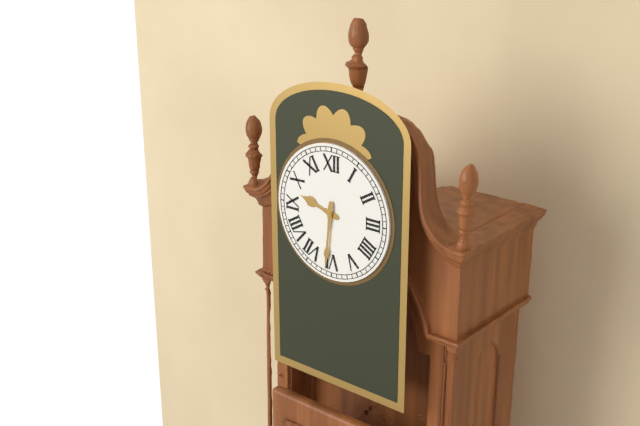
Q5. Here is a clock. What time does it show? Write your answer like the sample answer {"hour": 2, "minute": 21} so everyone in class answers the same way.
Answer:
{"hour": 9, "minute": 31}
